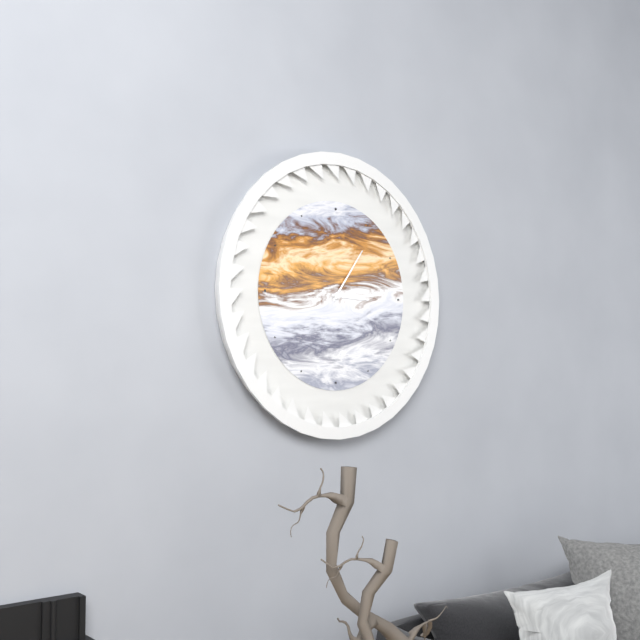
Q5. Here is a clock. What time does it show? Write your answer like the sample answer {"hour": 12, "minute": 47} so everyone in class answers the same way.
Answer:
{"hour": 3, "minute": 6}
